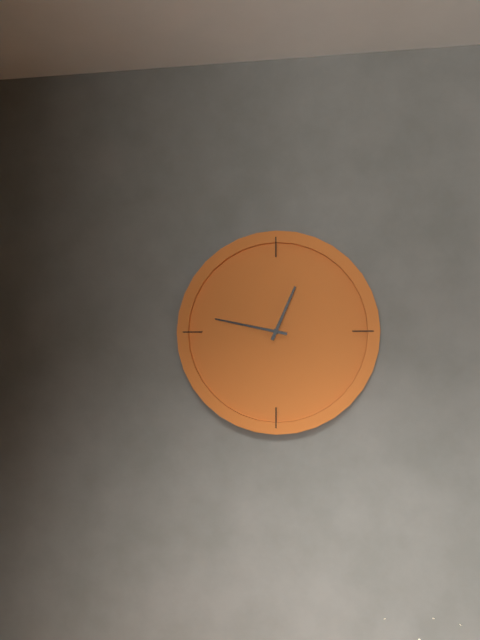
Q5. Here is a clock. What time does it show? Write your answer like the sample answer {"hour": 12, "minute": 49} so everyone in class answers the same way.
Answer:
{"hour": 12, "minute": 47}
